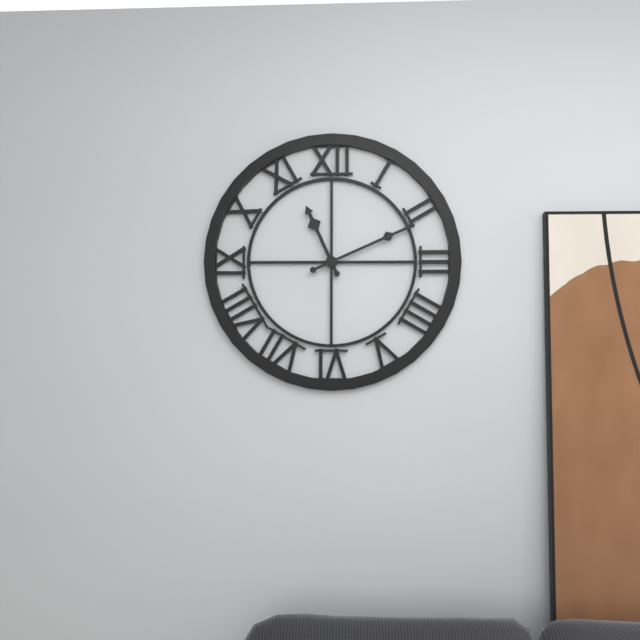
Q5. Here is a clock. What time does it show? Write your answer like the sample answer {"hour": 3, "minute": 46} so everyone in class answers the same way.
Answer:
{"hour": 11, "minute": 11}
